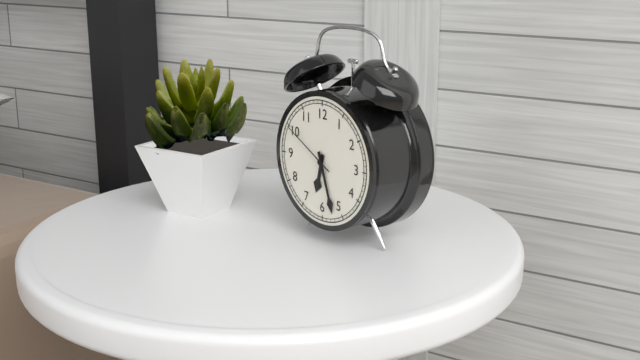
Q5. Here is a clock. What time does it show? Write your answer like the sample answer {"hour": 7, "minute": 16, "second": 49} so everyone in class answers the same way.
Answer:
{"hour": 6, "minute": 27, "second": 50}
